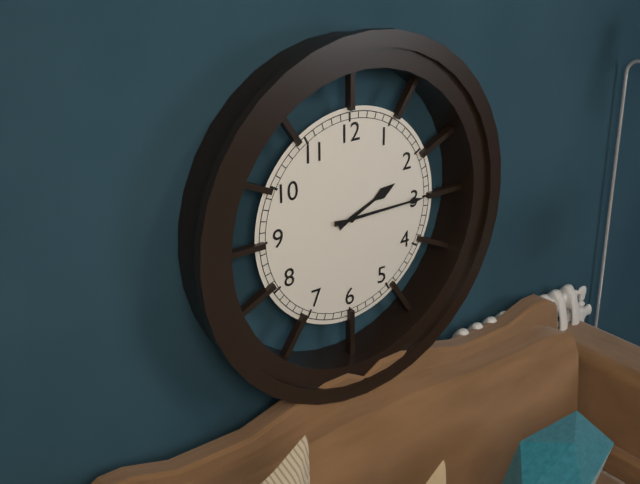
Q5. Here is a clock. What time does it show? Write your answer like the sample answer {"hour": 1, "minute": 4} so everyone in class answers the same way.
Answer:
{"hour": 2, "minute": 15}
